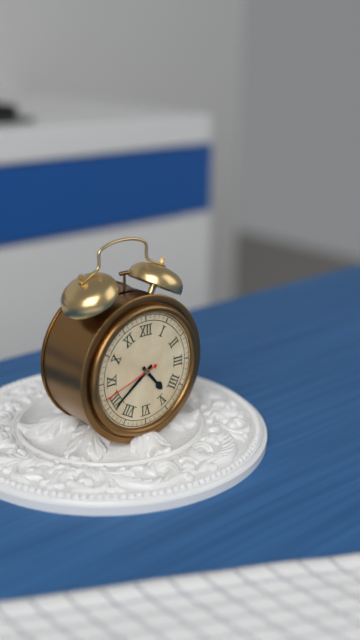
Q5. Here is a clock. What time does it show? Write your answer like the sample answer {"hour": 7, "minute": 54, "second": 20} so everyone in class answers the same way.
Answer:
{"hour": 4, "minute": 39, "second": 42}
